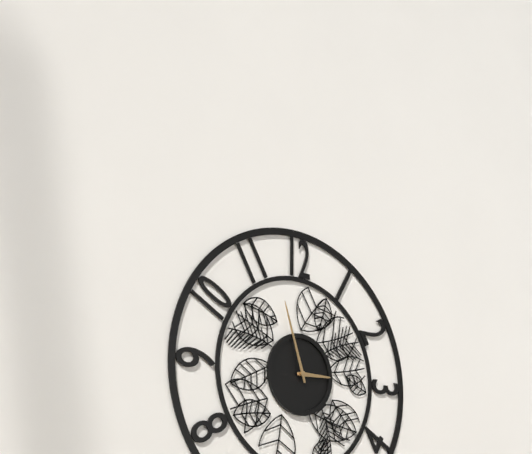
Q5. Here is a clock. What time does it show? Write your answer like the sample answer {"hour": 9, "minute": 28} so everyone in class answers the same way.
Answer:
{"hour": 2, "minute": 57}
